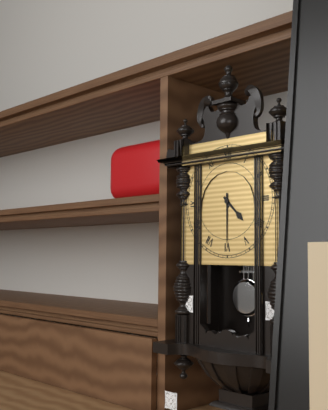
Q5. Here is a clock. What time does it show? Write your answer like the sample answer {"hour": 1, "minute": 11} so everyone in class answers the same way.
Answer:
{"hour": 4, "minute": 30}
